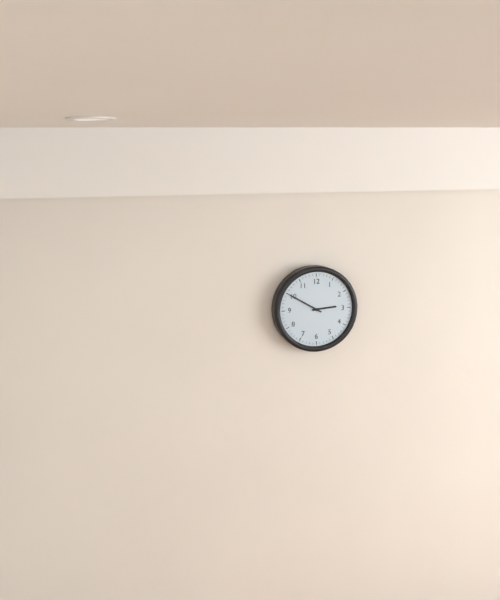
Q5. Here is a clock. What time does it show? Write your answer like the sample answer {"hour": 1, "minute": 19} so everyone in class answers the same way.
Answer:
{"hour": 2, "minute": 50}
